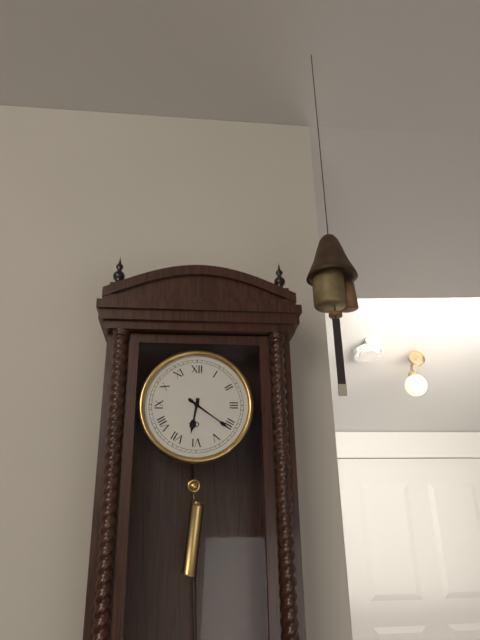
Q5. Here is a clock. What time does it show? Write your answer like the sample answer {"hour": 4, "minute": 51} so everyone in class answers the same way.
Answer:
{"hour": 6, "minute": 21}
